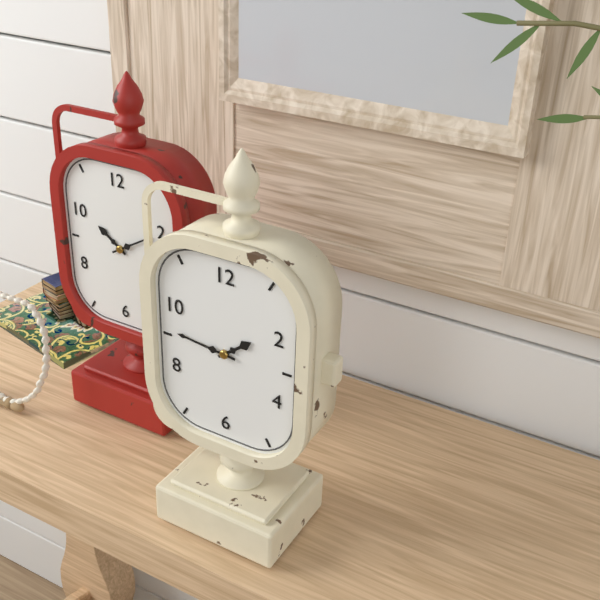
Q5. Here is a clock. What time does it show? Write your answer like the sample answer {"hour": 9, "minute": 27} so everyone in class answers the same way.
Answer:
{"hour": 1, "minute": 46}
